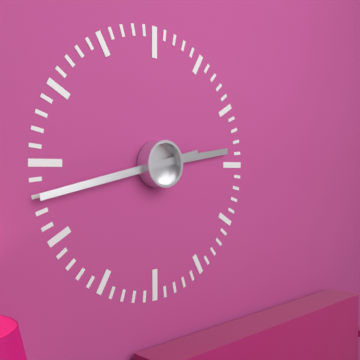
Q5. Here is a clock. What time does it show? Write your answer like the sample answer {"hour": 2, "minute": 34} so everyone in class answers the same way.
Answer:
{"hour": 2, "minute": 43}
